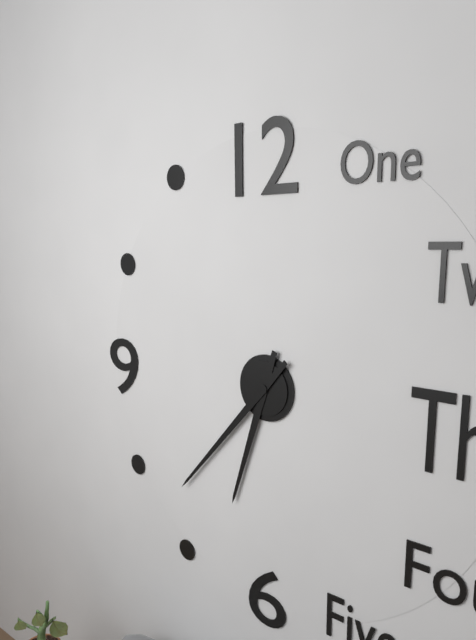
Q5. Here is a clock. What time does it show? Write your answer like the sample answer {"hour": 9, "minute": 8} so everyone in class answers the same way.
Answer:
{"hour": 6, "minute": 37}
